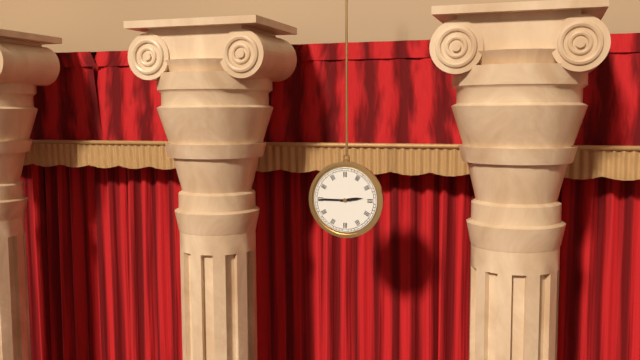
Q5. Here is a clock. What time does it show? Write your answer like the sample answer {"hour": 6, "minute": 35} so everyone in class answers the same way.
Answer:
{"hour": 2, "minute": 45}
